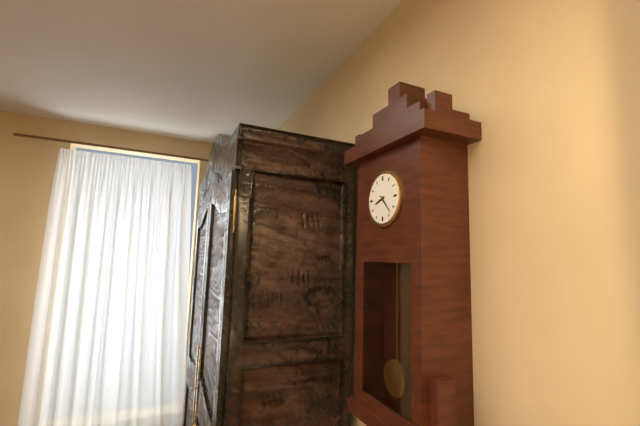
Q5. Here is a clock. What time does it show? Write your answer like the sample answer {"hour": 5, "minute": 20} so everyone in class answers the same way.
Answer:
{"hour": 8, "minute": 23}
